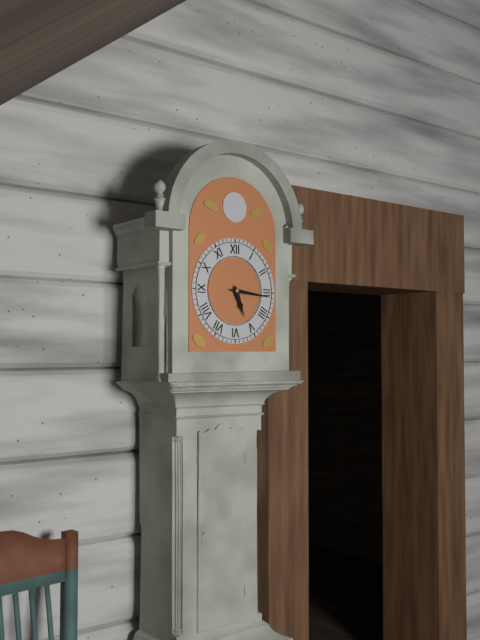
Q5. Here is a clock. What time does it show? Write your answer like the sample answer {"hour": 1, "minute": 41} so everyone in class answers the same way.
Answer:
{"hour": 5, "minute": 16}
